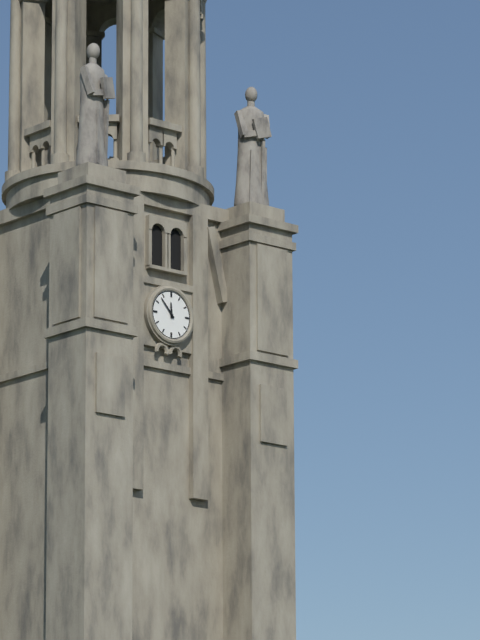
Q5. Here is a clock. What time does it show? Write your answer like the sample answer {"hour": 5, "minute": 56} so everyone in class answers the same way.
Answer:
{"hour": 11, "minute": 53}
